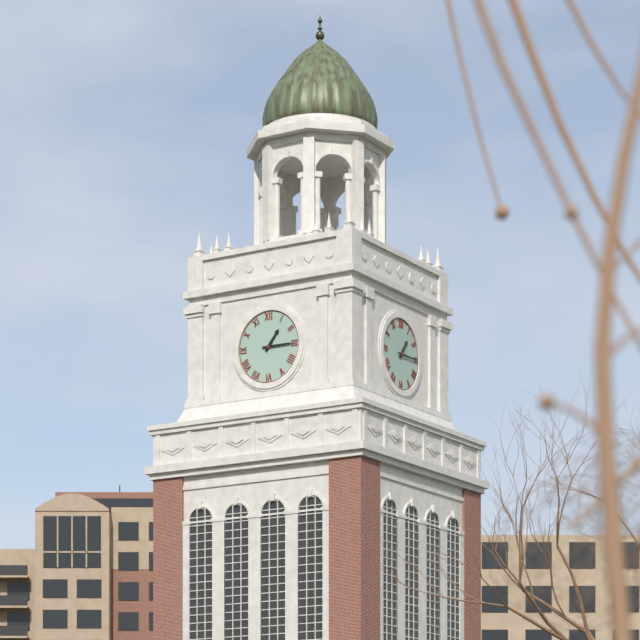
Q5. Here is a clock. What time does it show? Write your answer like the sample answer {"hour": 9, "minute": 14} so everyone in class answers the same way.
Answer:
{"hour": 1, "minute": 15}
